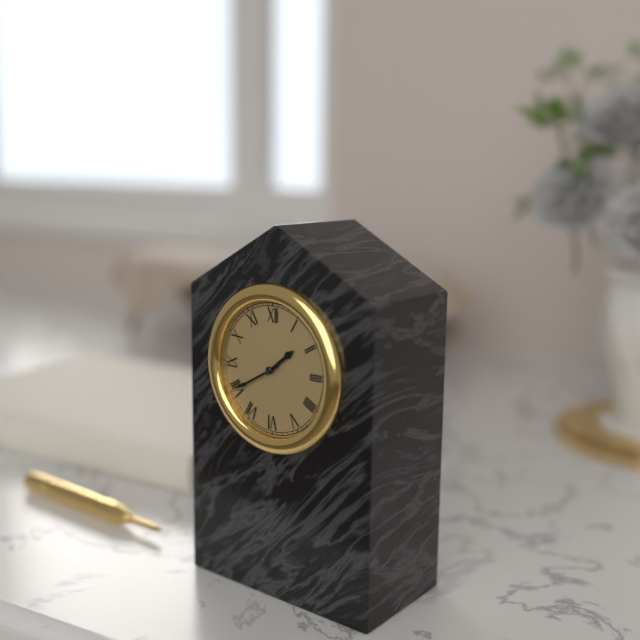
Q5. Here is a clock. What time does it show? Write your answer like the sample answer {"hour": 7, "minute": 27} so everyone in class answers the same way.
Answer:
{"hour": 1, "minute": 40}
